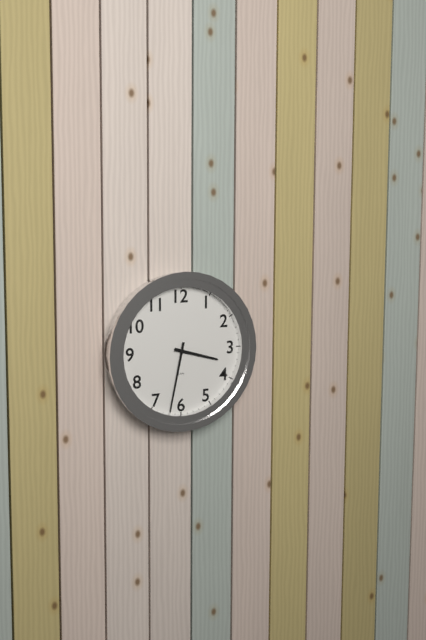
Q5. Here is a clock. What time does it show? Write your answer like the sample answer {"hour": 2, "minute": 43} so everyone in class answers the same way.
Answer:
{"hour": 3, "minute": 32}
